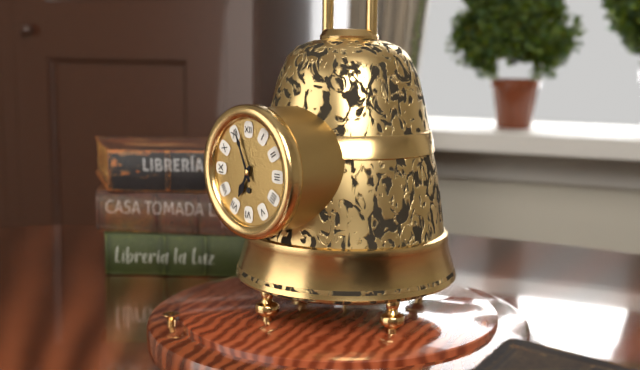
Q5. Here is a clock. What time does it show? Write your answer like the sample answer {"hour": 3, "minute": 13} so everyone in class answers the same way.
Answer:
{"hour": 6, "minute": 56}
